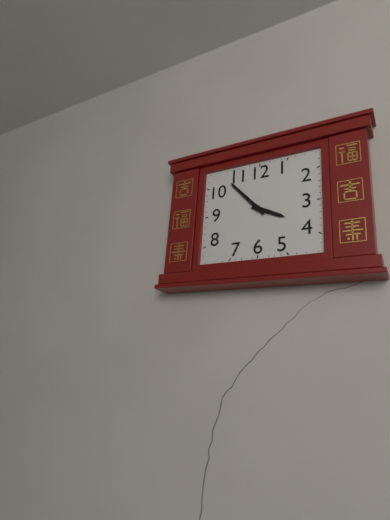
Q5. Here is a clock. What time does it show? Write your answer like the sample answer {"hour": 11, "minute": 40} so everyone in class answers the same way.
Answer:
{"hour": 3, "minute": 53}
